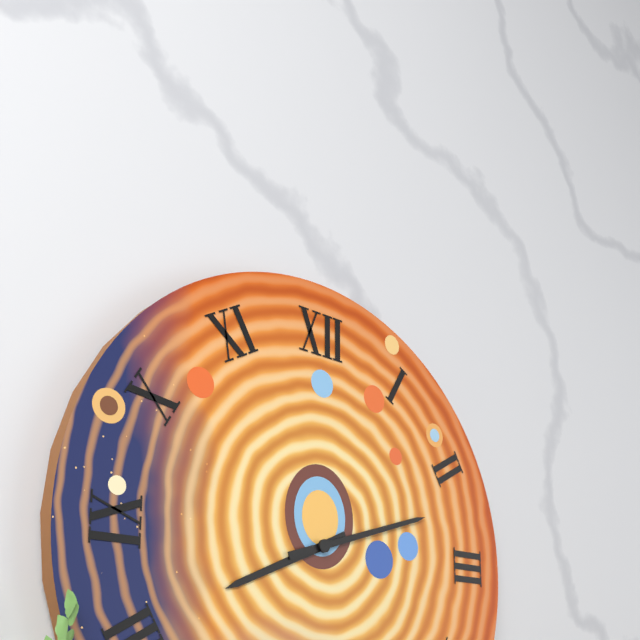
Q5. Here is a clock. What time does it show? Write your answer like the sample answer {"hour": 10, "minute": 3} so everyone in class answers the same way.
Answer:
{"hour": 8, "minute": 12}
